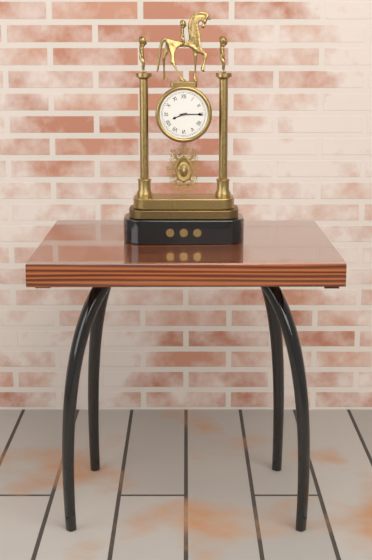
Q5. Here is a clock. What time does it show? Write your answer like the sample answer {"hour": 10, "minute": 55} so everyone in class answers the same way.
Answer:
{"hour": 8, "minute": 15}
